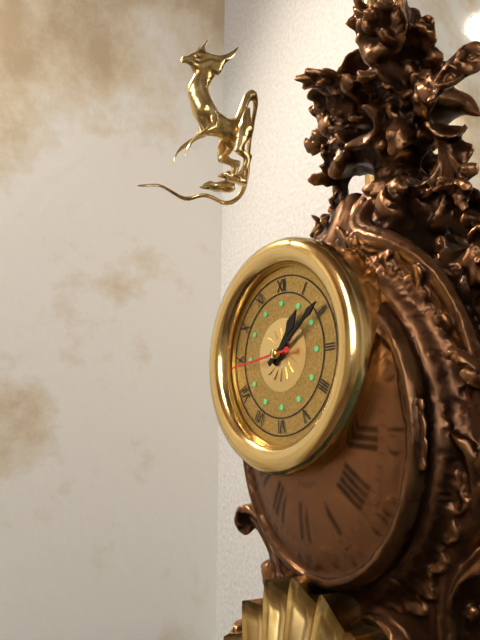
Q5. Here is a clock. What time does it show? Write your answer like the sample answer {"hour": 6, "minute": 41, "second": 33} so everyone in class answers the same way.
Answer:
{"hour": 1, "minute": 9, "second": 44}
